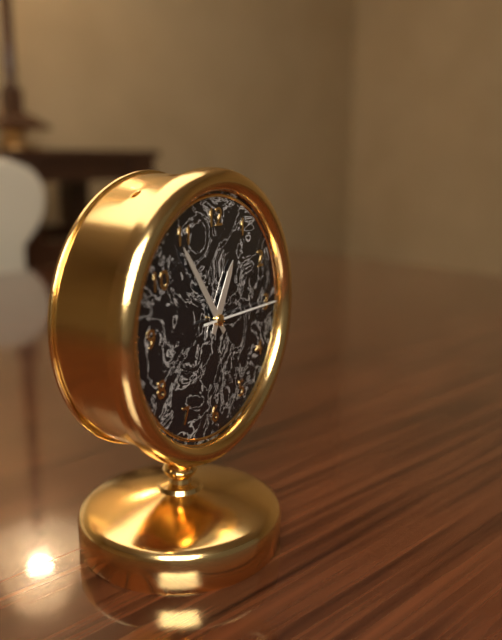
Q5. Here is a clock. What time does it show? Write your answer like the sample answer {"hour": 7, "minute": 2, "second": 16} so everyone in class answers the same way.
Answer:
{"hour": 12, "minute": 54, "second": 15}
